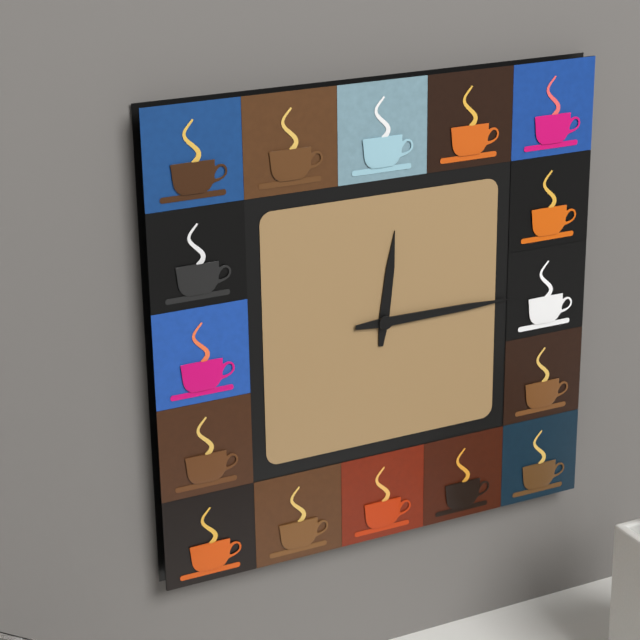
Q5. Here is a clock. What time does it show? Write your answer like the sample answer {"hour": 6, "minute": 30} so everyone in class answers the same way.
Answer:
{"hour": 12, "minute": 15}
